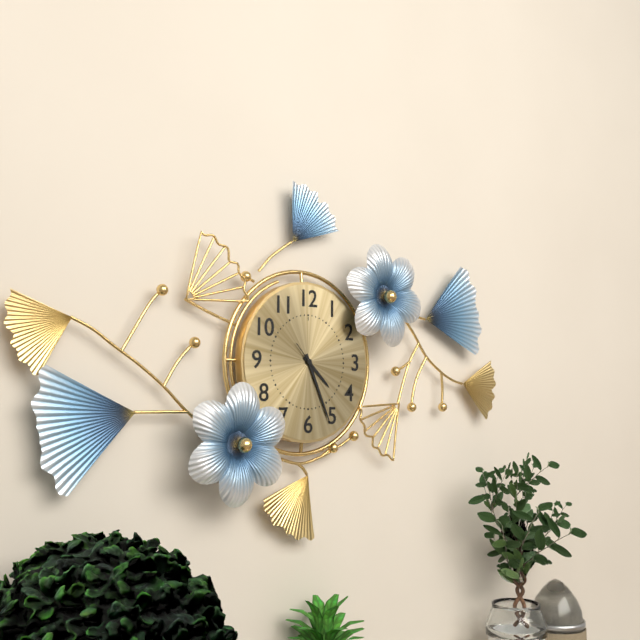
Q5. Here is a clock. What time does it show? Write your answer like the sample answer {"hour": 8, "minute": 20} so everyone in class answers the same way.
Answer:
{"hour": 4, "minute": 26}
